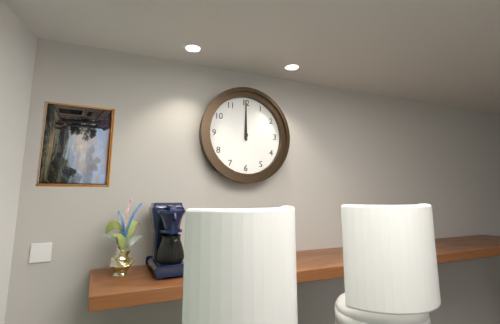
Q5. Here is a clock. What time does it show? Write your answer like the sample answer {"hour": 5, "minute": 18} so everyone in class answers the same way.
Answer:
{"hour": 12, "minute": 0}
